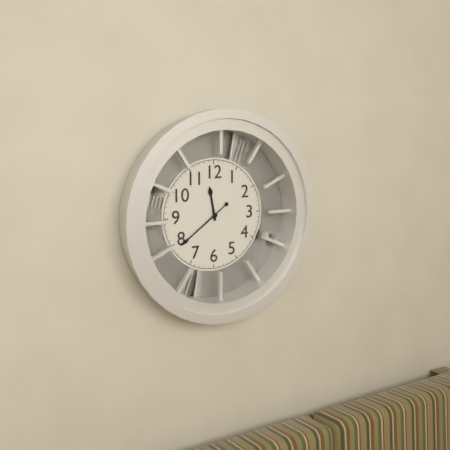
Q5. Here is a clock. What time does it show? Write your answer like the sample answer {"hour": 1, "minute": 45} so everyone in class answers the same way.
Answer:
{"hour": 11, "minute": 39}
